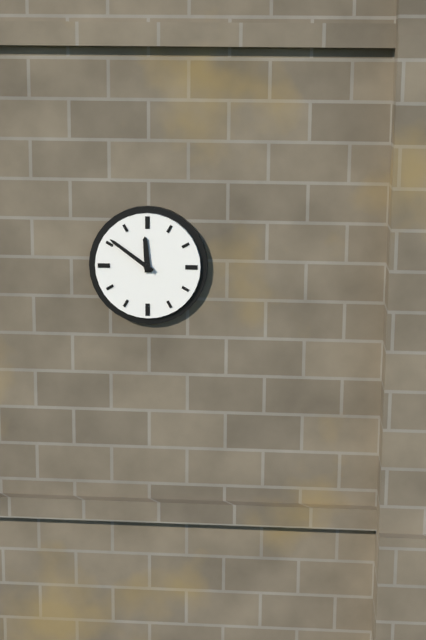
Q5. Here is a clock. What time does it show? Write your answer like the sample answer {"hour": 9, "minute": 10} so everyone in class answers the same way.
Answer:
{"hour": 11, "minute": 51}
